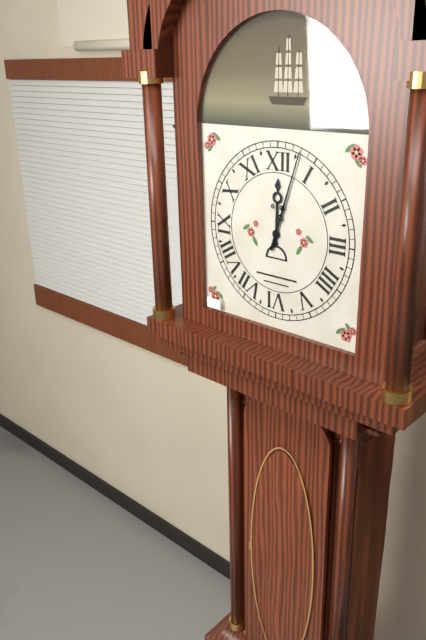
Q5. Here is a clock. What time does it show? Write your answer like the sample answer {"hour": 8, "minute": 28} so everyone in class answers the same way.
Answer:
{"hour": 12, "minute": 3}
